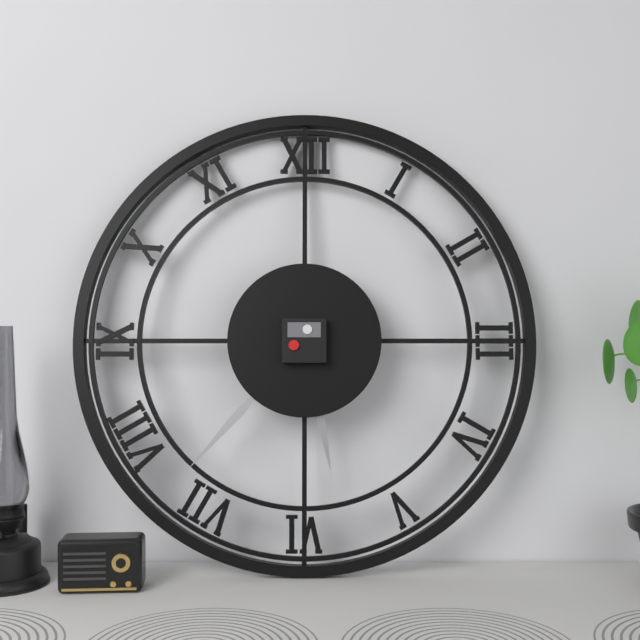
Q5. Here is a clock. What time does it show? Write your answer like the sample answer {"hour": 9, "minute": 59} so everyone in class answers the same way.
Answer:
{"hour": 5, "minute": 37}
